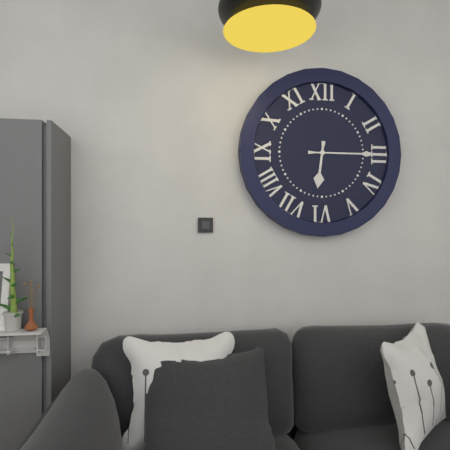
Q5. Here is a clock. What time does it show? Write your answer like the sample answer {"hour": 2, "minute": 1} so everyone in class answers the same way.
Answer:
{"hour": 6, "minute": 15}
